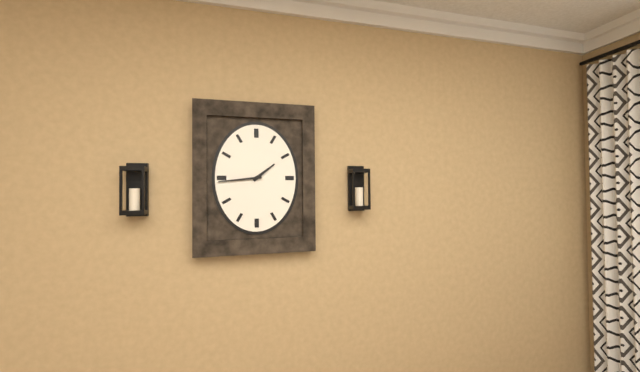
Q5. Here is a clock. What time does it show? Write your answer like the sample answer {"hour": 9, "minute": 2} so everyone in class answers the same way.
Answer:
{"hour": 1, "minute": 44}
